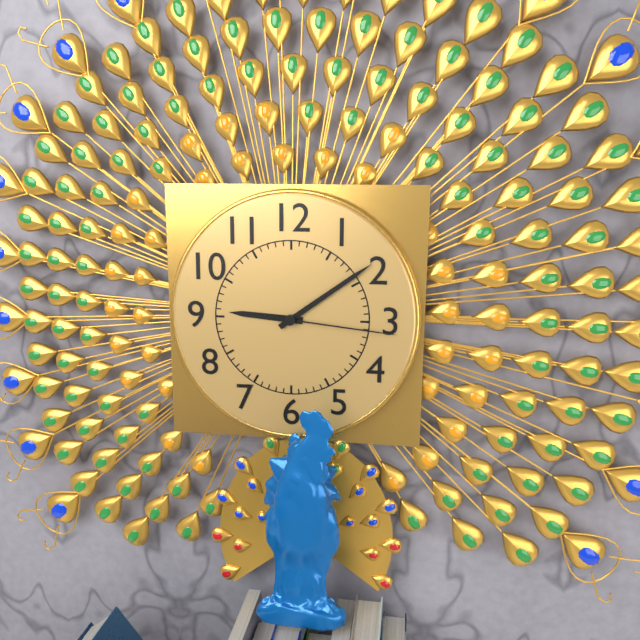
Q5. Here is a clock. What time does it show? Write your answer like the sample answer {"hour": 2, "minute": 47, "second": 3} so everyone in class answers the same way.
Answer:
{"hour": 9, "minute": 9, "second": 16}
